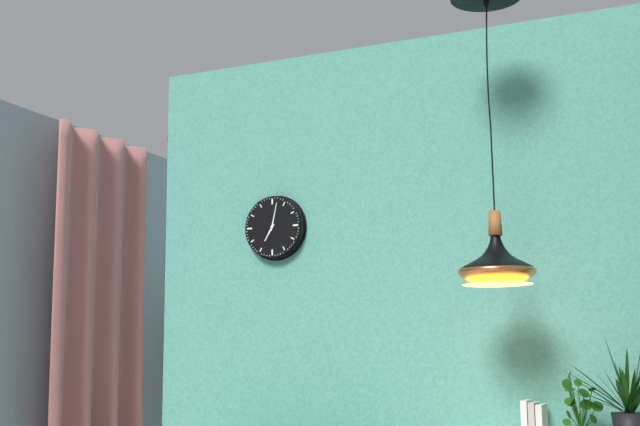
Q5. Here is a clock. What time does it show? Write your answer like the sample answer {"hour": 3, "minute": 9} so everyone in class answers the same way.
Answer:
{"hour": 7, "minute": 2}
